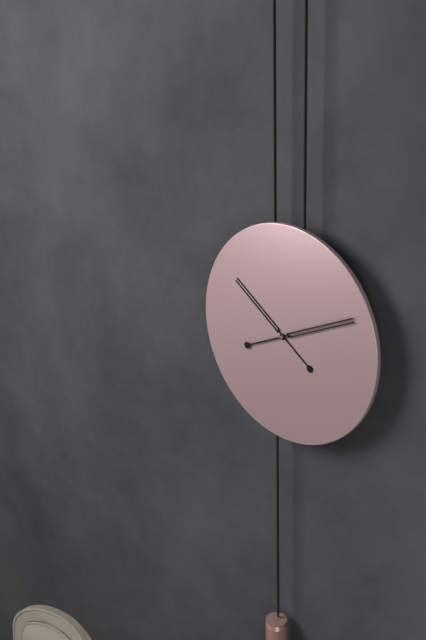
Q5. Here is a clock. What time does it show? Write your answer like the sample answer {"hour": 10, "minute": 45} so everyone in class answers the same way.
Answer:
{"hour": 10, "minute": 11}
